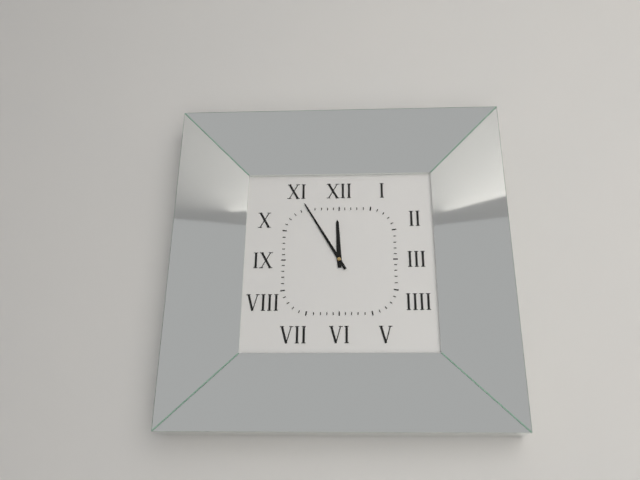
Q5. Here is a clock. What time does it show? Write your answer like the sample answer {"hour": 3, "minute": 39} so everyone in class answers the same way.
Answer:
{"hour": 11, "minute": 55}
